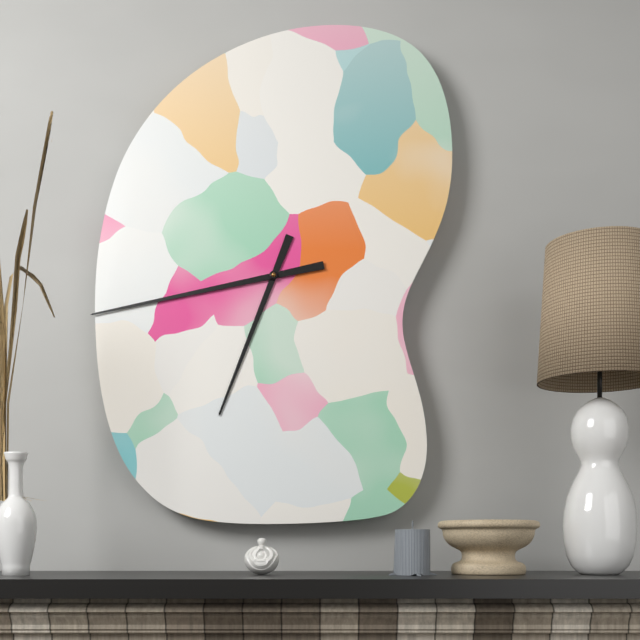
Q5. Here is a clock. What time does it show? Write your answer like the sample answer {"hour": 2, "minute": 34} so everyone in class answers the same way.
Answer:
{"hour": 6, "minute": 43}
